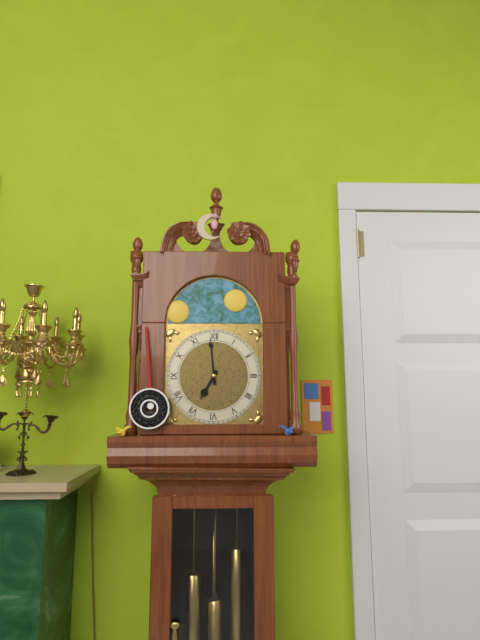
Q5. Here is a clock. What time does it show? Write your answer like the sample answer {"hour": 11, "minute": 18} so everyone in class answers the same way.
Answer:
{"hour": 6, "minute": 59}
